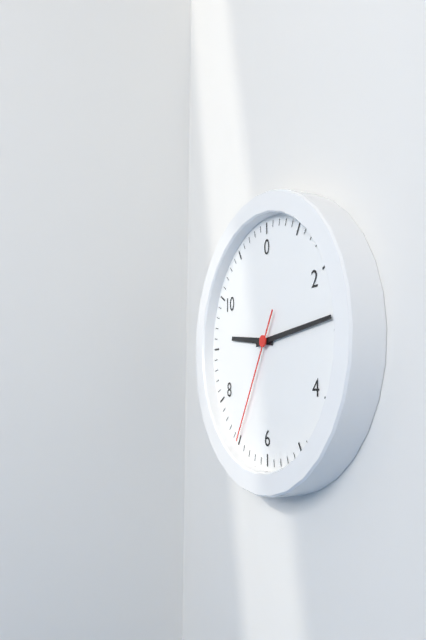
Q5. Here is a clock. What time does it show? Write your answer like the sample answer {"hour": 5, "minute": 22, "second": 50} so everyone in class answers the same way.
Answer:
{"hour": 9, "minute": 14, "second": 35}
